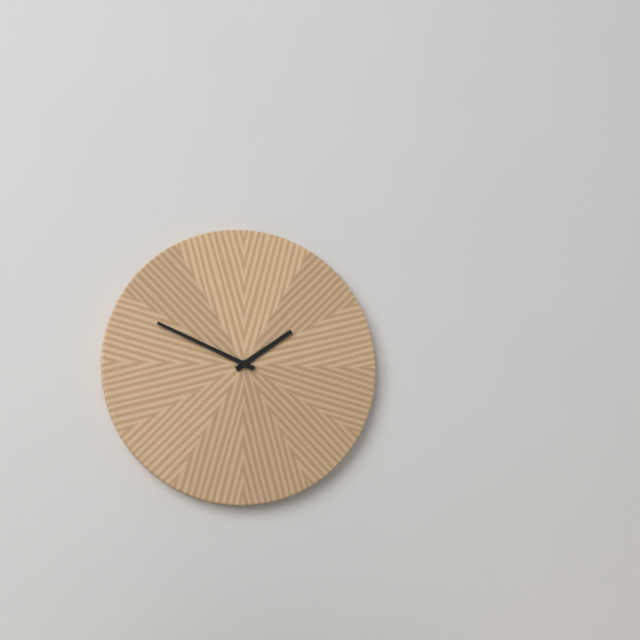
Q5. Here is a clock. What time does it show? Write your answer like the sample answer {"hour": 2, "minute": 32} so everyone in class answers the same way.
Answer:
{"hour": 1, "minute": 49}
